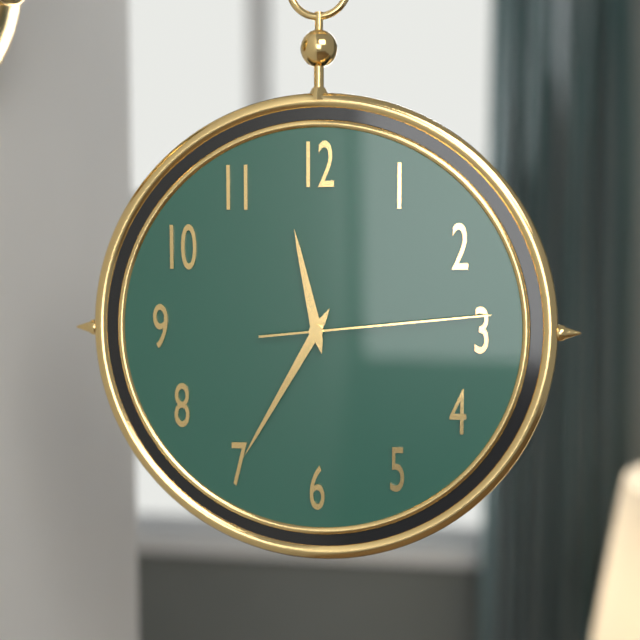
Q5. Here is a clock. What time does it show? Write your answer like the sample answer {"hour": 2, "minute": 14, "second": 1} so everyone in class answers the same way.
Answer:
{"hour": 11, "minute": 35, "second": 14}
